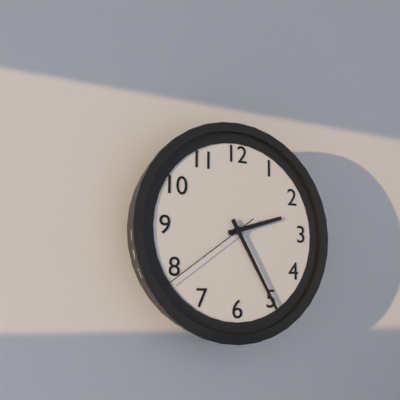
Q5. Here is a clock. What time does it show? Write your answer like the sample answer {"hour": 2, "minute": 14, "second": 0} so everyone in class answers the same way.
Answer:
{"hour": 2, "minute": 25, "second": 39}
